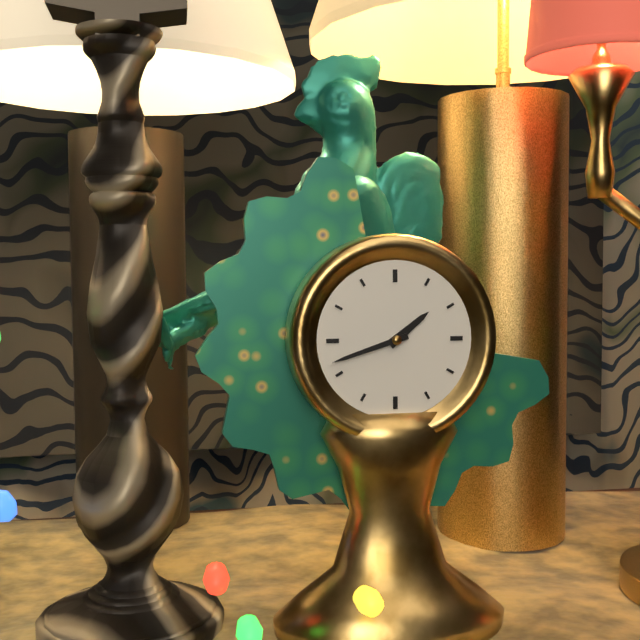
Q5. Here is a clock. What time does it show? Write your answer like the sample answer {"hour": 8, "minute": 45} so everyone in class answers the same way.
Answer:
{"hour": 1, "minute": 42}
